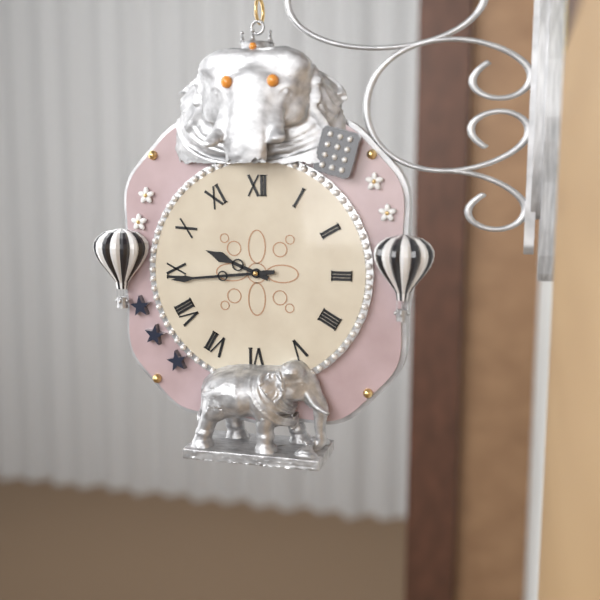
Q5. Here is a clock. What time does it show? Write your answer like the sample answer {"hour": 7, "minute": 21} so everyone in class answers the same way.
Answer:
{"hour": 9, "minute": 44}
